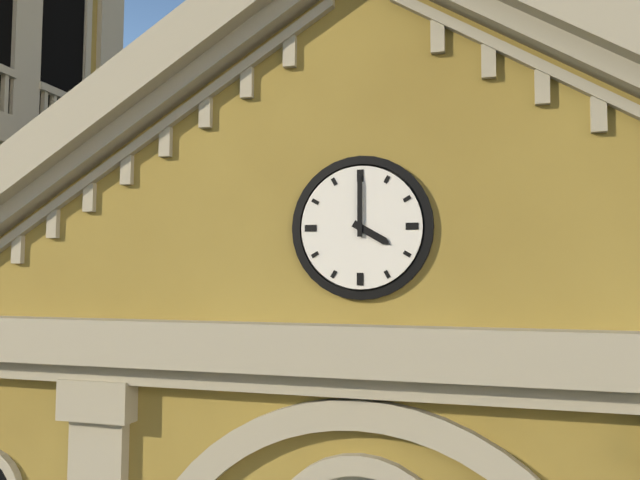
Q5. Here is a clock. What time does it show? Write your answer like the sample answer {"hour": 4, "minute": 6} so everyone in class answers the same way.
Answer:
{"hour": 4, "minute": 0}
